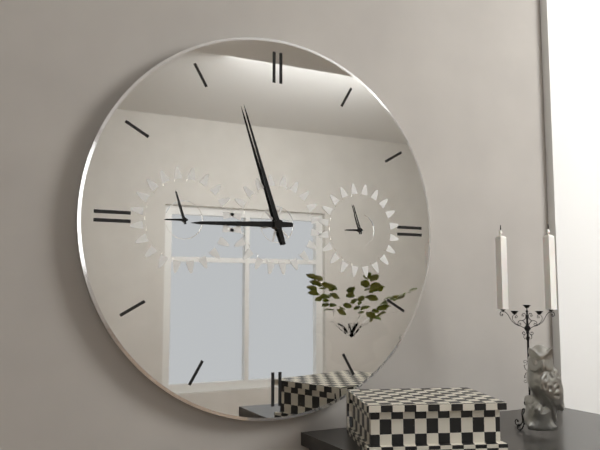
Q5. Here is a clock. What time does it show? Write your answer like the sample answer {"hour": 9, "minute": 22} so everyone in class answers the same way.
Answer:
{"hour": 8, "minute": 57}
